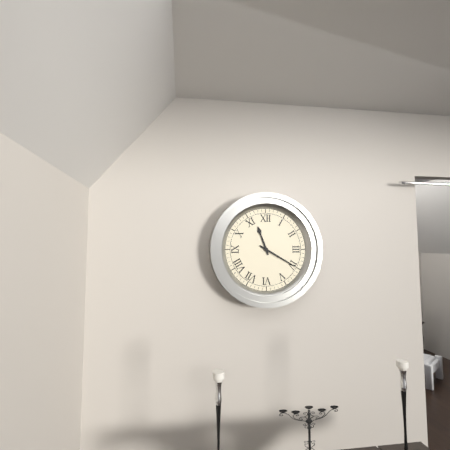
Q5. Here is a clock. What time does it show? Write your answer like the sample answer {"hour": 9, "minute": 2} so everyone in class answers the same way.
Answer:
{"hour": 11, "minute": 20}
